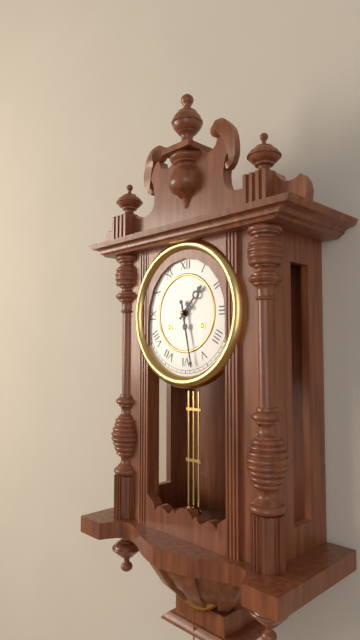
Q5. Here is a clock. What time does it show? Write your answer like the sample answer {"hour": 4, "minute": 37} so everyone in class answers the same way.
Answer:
{"hour": 1, "minute": 28}
